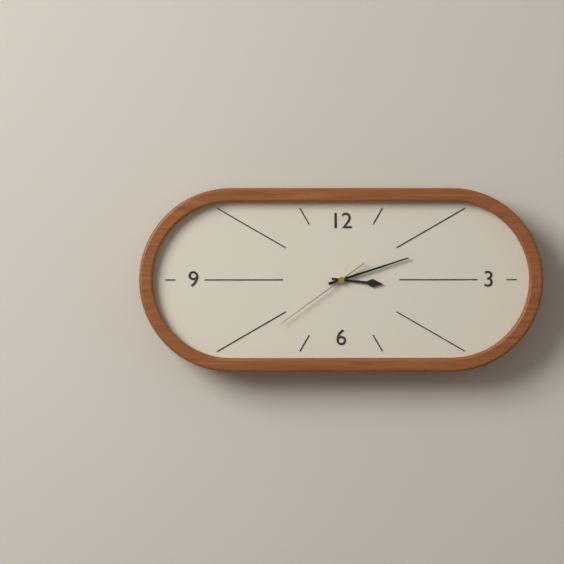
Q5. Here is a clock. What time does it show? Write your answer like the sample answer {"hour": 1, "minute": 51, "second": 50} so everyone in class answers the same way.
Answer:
{"hour": 3, "minute": 12, "second": 39}
